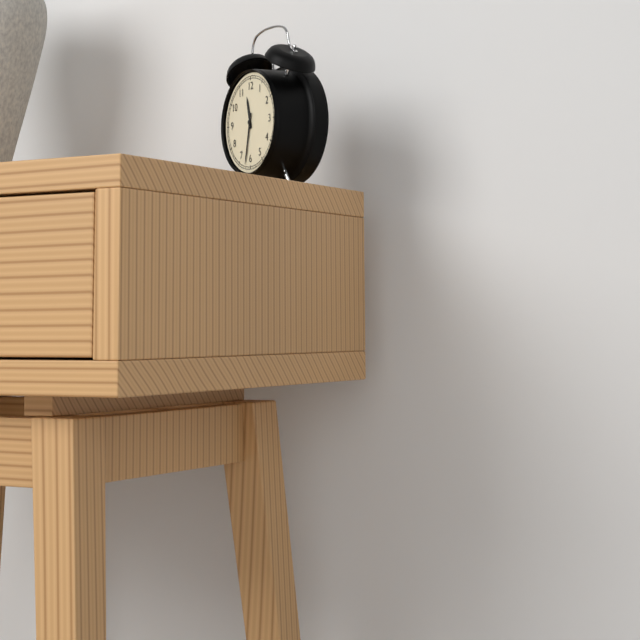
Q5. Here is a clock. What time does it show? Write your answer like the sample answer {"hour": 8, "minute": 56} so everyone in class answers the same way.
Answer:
{"hour": 11, "minute": 32}
